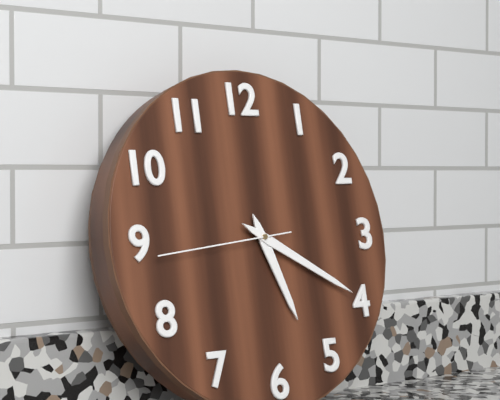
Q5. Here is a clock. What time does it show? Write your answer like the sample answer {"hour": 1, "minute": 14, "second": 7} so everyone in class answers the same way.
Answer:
{"hour": 5, "minute": 20, "second": 44}
